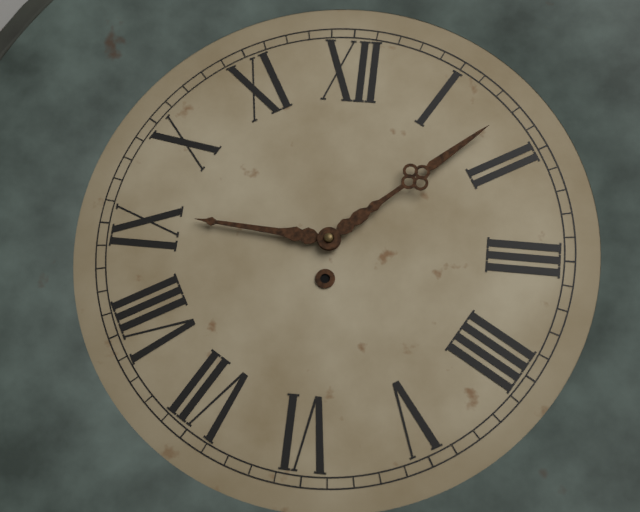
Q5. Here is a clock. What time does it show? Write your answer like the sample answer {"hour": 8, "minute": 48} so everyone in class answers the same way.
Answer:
{"hour": 9, "minute": 8}
